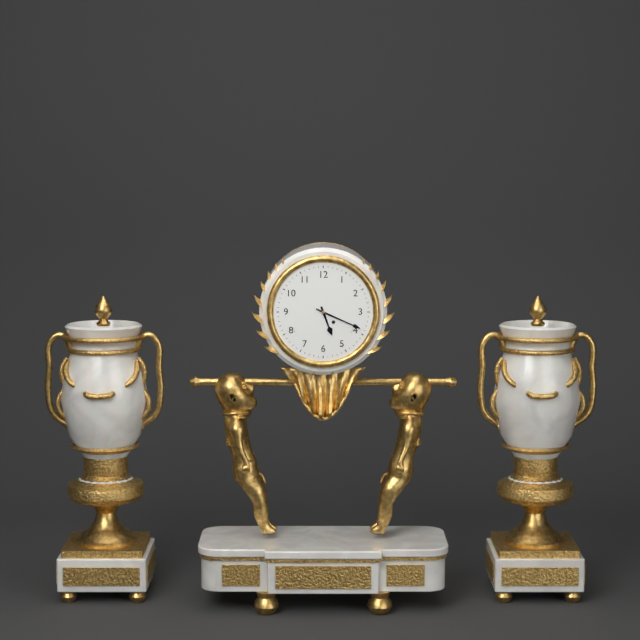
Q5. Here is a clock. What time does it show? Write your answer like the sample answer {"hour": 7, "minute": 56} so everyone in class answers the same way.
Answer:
{"hour": 5, "minute": 19}
